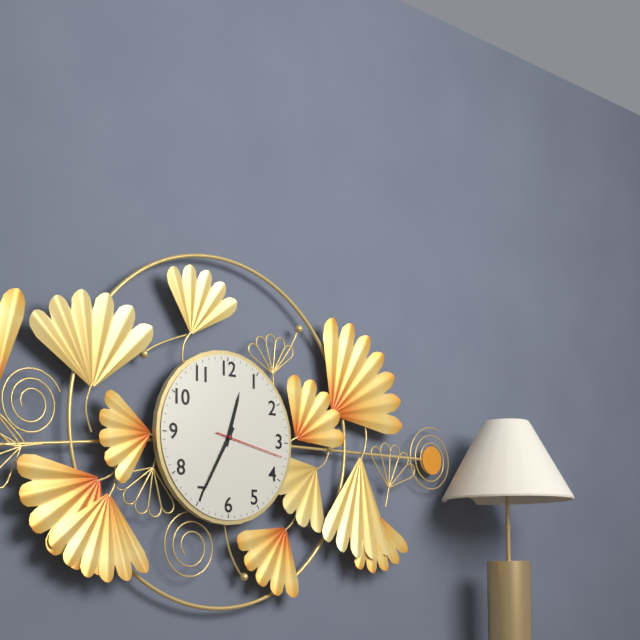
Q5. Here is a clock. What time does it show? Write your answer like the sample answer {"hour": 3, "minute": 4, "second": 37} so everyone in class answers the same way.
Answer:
{"hour": 12, "minute": 35, "second": 17}
